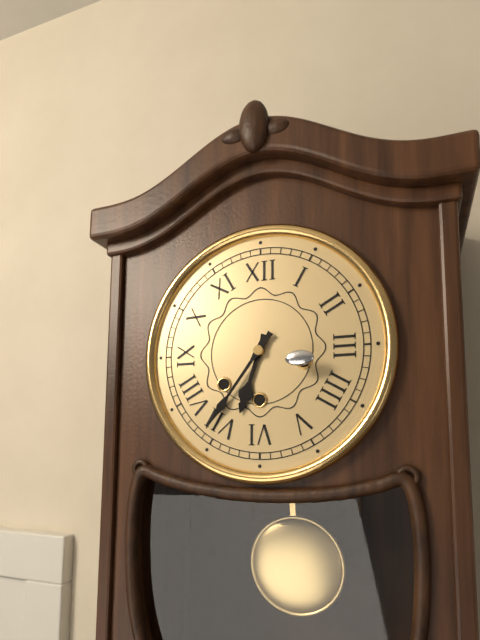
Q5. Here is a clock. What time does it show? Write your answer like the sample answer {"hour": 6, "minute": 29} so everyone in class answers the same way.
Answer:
{"hour": 6, "minute": 36}
